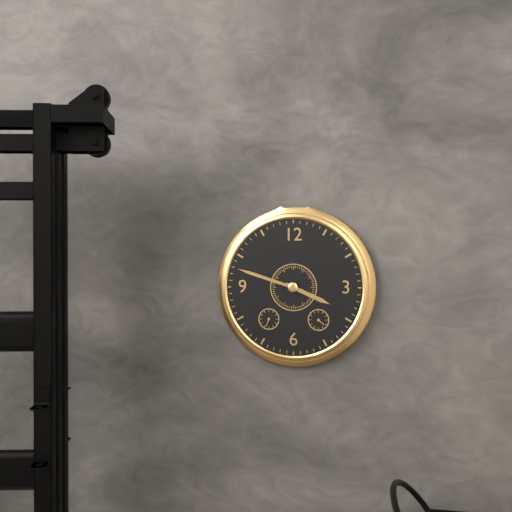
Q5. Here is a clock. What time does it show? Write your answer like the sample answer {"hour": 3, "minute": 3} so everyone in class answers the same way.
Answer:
{"hour": 3, "minute": 48}
